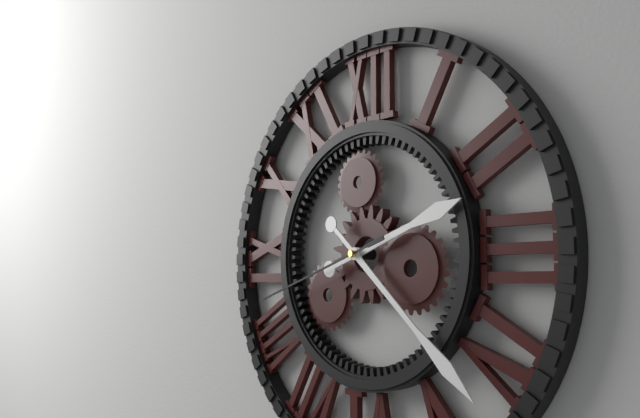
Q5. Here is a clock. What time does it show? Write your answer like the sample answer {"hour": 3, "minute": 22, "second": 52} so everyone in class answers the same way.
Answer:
{"hour": 2, "minute": 22, "second": 42}
